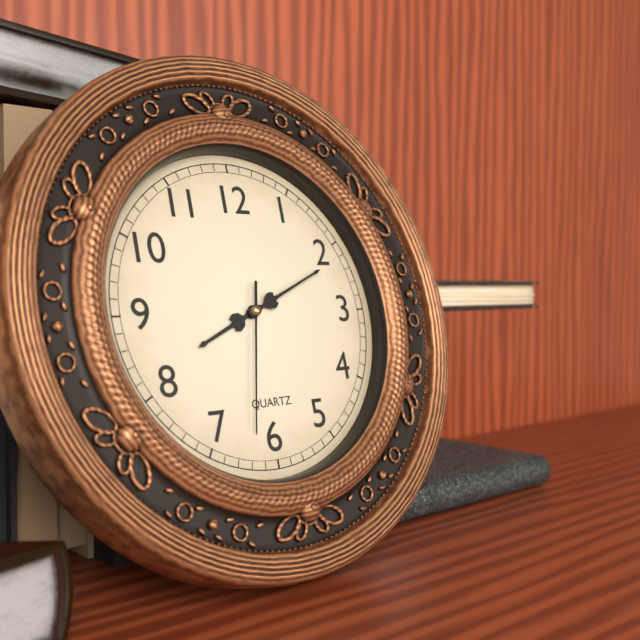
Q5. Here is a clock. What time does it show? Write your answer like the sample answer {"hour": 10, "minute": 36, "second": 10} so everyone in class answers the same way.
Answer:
{"hour": 8, "minute": 11, "second": 32}
